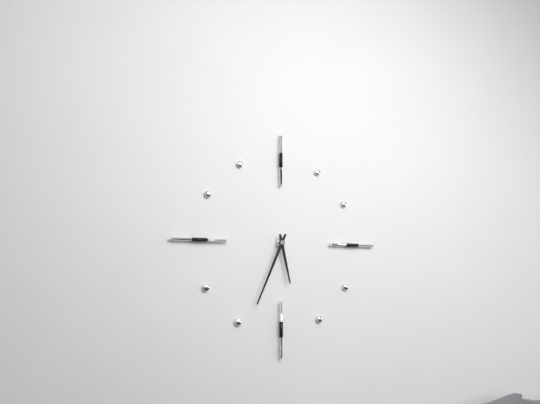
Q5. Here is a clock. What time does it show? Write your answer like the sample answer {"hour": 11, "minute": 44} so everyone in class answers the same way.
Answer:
{"hour": 5, "minute": 34}
